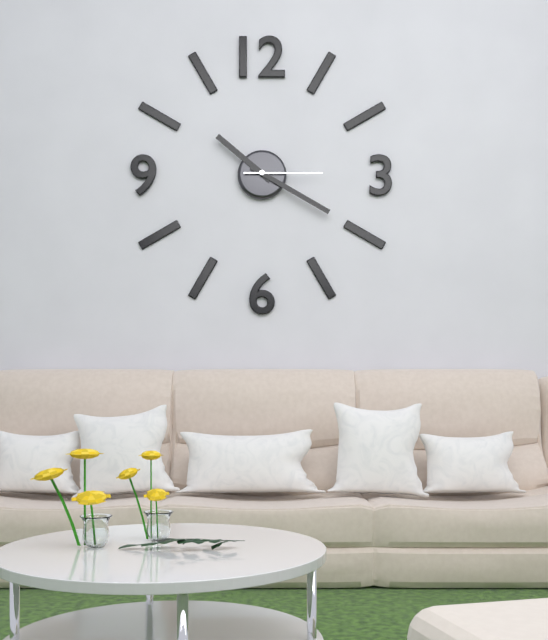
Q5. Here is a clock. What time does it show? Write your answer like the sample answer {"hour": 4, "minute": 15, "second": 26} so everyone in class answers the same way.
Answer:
{"hour": 10, "minute": 20, "second": 15}
